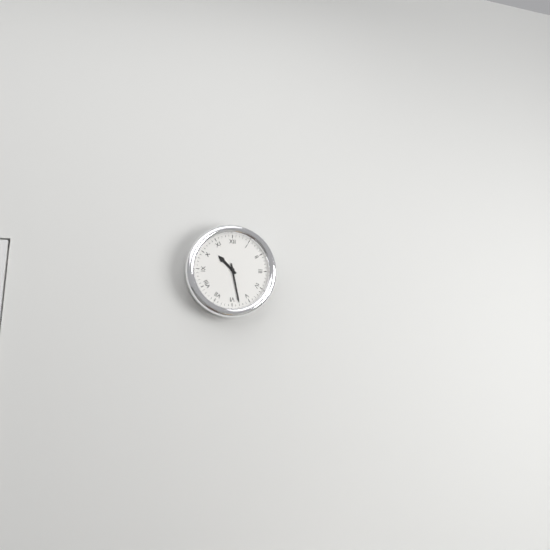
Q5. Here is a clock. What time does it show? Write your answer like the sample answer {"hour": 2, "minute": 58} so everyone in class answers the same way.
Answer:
{"hour": 10, "minute": 28}
